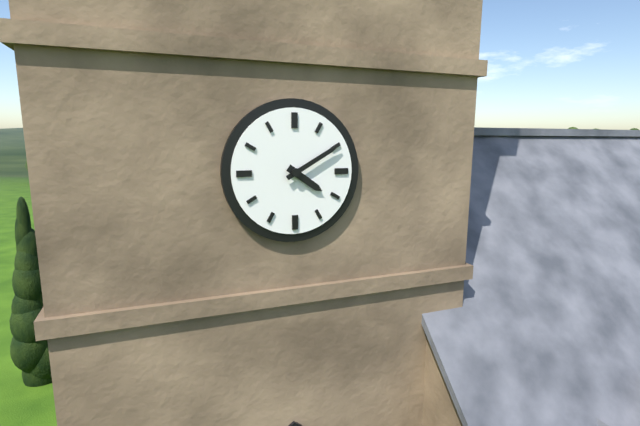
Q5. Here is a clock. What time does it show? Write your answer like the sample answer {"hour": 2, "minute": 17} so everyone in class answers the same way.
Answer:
{"hour": 4, "minute": 10}
